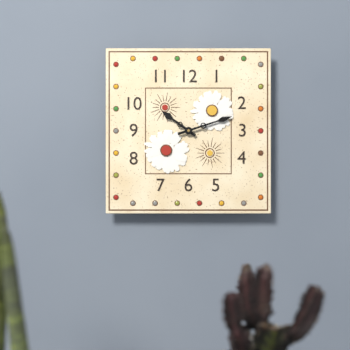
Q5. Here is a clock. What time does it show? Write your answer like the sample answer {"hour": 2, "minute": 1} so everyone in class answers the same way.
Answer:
{"hour": 10, "minute": 12}
